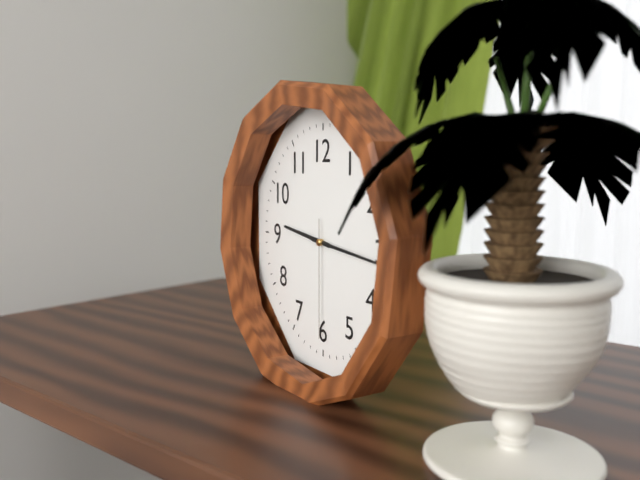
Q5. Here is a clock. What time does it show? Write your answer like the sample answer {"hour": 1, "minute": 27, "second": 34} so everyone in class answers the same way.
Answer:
{"hour": 9, "minute": 16, "second": 30}
